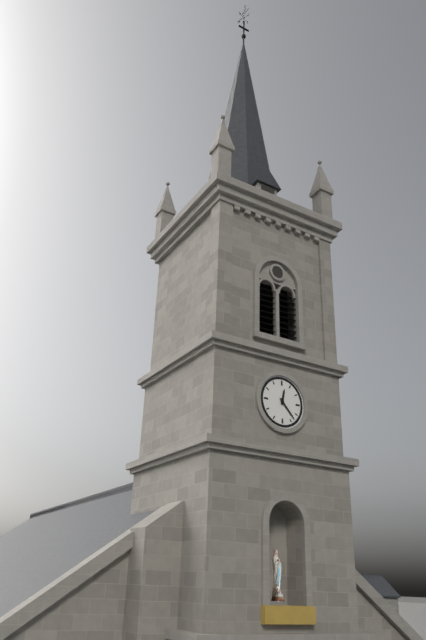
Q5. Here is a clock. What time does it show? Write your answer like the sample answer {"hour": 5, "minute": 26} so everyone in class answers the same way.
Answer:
{"hour": 12, "minute": 23}
